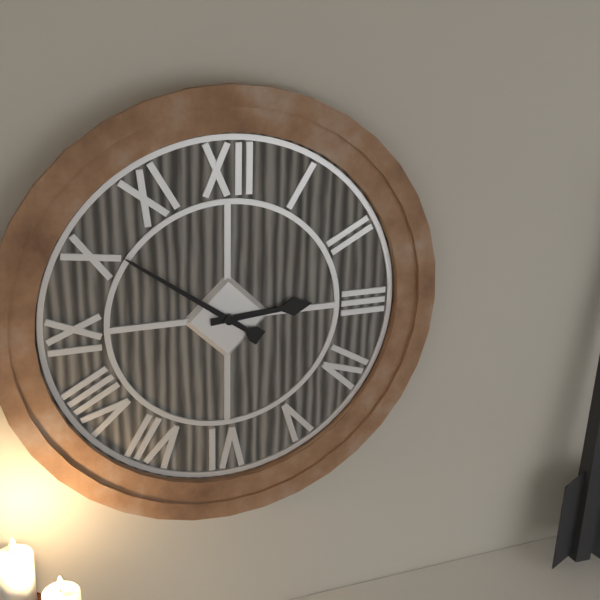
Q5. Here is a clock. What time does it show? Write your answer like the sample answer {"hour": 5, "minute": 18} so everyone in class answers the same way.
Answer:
{"hour": 2, "minute": 51}
